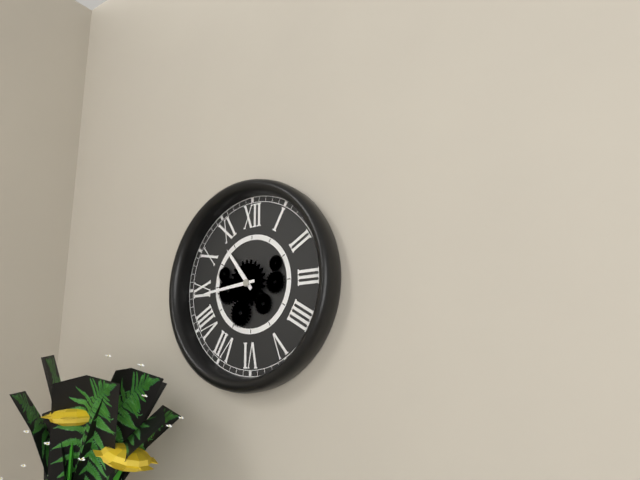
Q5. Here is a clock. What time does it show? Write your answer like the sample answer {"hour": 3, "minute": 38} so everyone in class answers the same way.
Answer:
{"hour": 10, "minute": 44}
